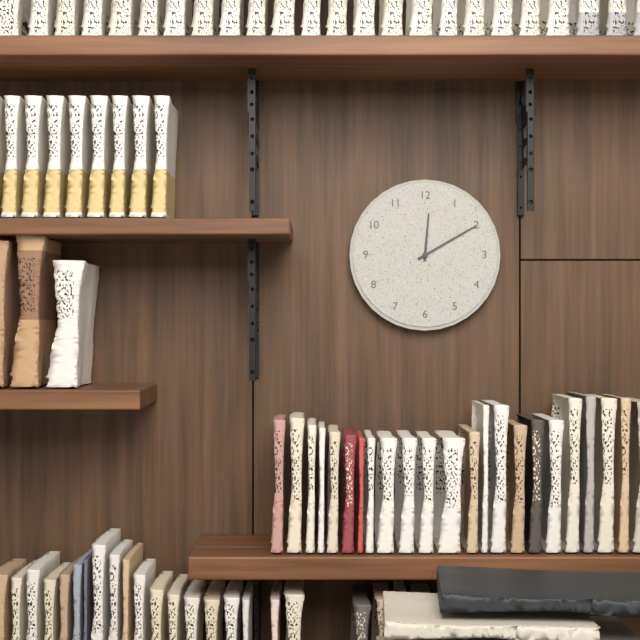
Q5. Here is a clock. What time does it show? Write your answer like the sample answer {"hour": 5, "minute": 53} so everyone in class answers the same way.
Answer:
{"hour": 12, "minute": 10}
